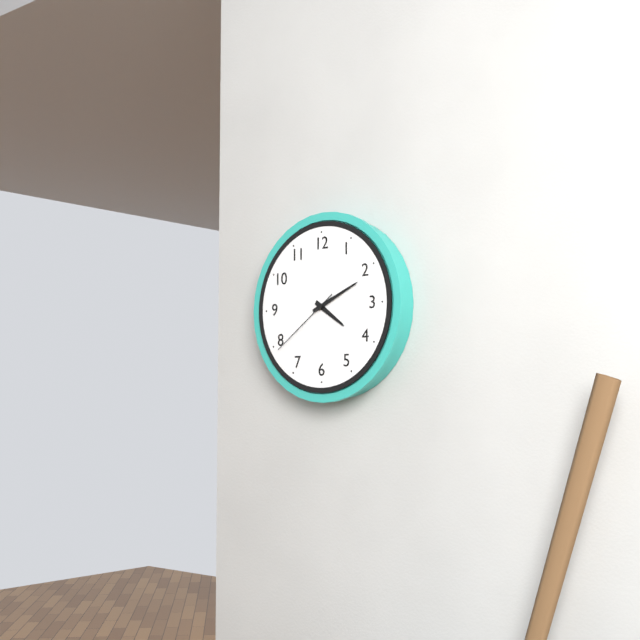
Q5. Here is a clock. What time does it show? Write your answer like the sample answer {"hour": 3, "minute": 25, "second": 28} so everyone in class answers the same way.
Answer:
{"hour": 4, "minute": 11, "second": 39}
